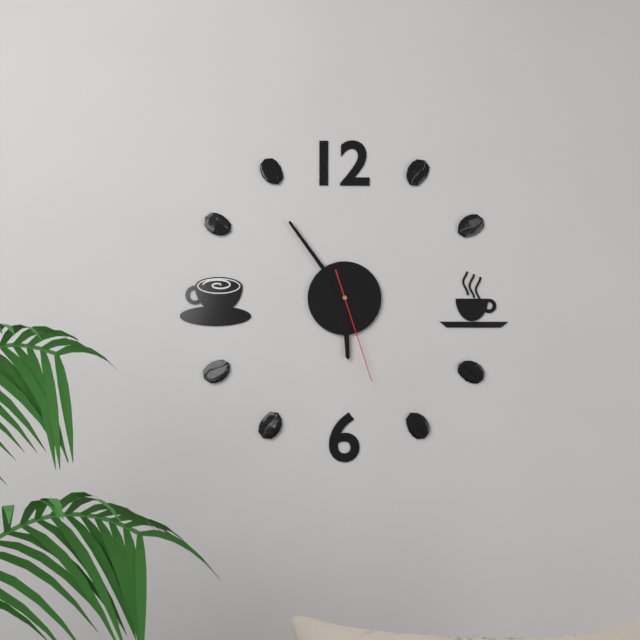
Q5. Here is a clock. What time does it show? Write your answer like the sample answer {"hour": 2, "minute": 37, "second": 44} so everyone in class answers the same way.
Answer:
{"hour": 5, "minute": 54, "second": 27}
